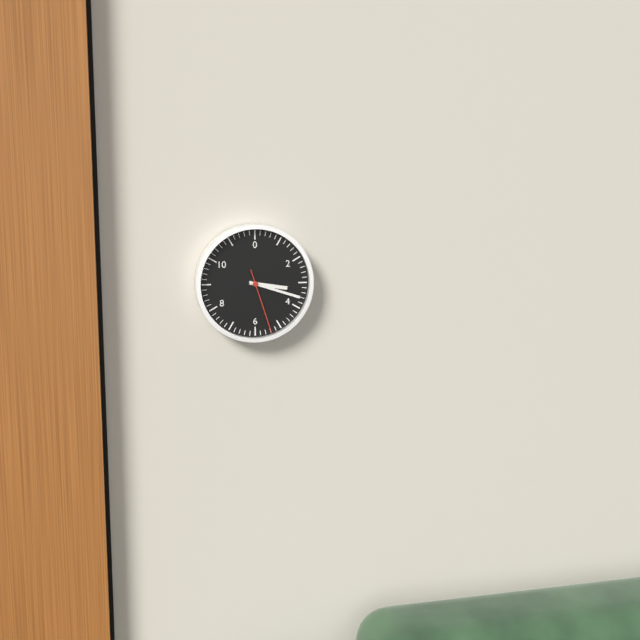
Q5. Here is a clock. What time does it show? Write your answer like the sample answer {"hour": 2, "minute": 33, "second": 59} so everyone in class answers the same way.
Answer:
{"hour": 3, "minute": 18, "second": 27}
